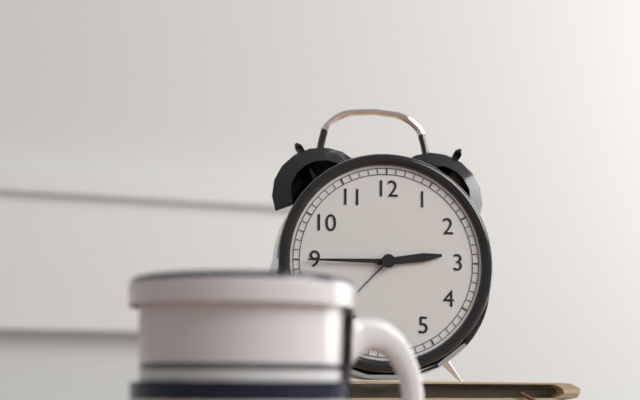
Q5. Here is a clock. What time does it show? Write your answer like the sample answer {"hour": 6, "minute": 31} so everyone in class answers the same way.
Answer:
{"hour": 2, "minute": 45}
